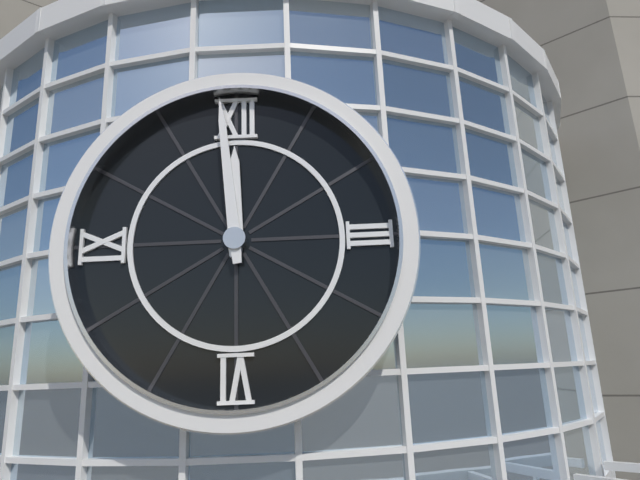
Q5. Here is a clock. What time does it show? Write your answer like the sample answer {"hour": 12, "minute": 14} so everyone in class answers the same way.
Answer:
{"hour": 11, "minute": 59}
